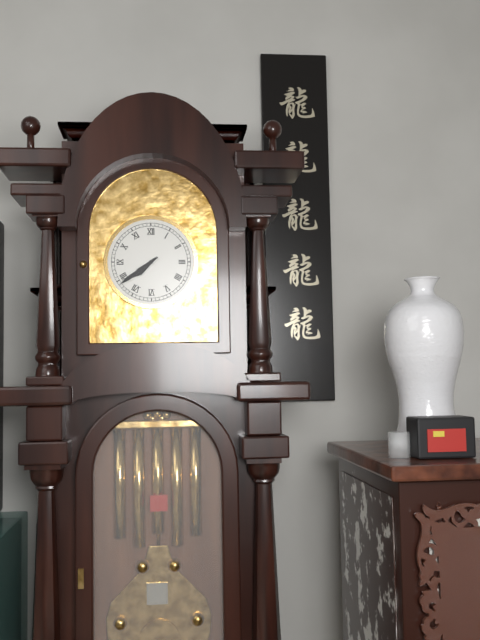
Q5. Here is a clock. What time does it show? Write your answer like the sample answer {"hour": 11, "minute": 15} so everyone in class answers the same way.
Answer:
{"hour": 7, "minute": 39}
